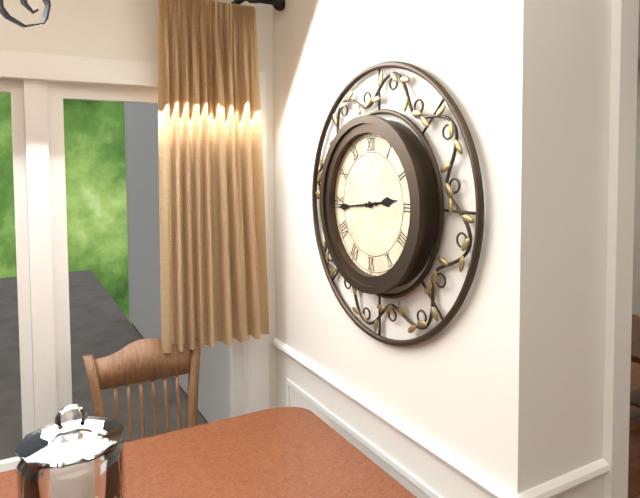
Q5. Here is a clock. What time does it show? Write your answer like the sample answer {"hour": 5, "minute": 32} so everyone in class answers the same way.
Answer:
{"hour": 2, "minute": 44}
